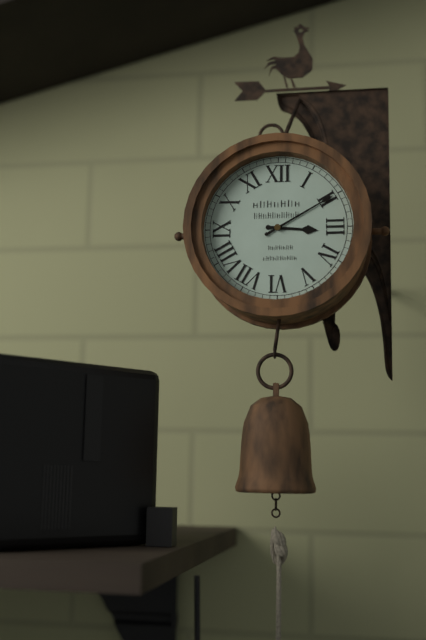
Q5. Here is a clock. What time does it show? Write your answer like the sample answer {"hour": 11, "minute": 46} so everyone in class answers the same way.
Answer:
{"hour": 3, "minute": 10}
